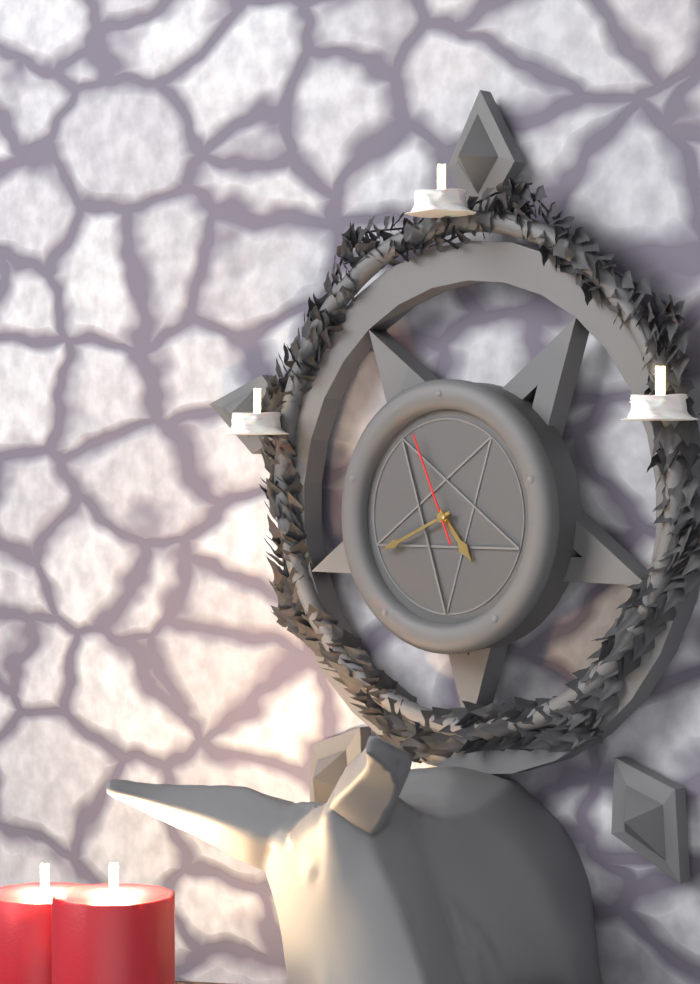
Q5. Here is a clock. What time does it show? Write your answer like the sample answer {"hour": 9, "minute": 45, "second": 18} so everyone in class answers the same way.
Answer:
{"hour": 4, "minute": 41, "second": 56}
